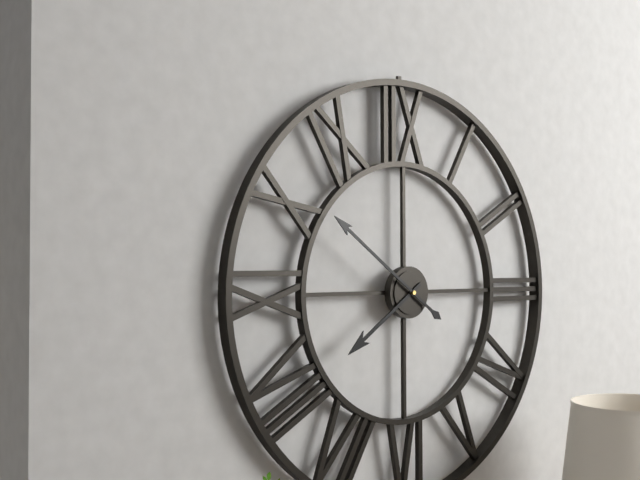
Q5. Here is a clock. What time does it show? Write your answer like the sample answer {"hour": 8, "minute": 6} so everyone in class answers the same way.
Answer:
{"hour": 7, "minute": 51}
